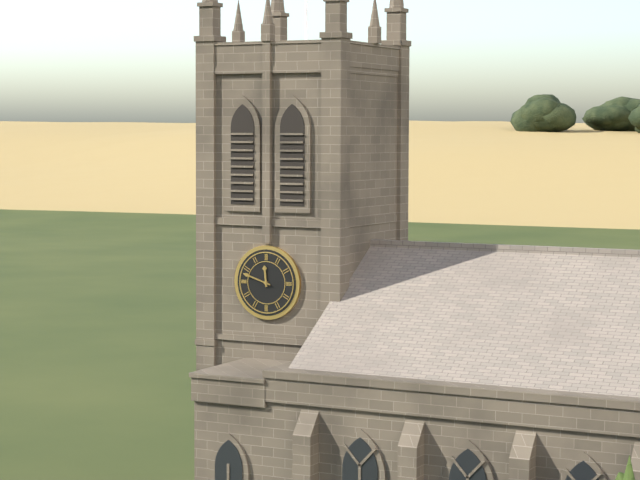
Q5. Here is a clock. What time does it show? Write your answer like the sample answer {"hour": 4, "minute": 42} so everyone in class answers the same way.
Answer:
{"hour": 11, "minute": 48}
